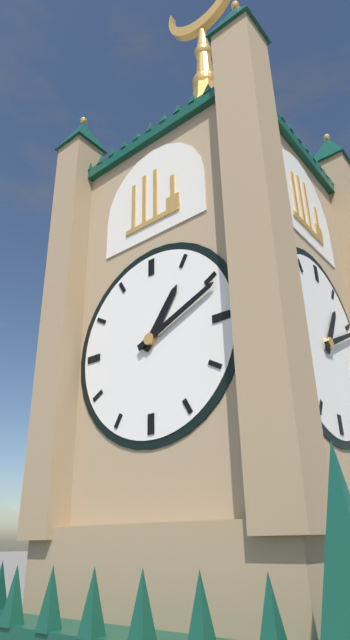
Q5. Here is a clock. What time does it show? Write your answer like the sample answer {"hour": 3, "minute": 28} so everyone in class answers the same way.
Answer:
{"hour": 1, "minute": 11}
